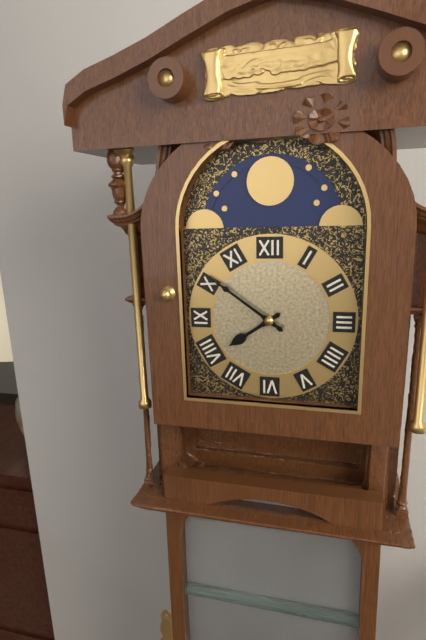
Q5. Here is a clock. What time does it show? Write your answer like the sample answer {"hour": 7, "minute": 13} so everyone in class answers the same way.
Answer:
{"hour": 7, "minute": 51}
